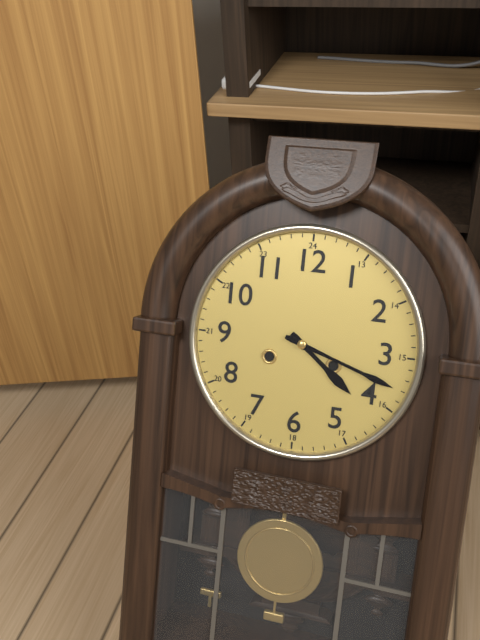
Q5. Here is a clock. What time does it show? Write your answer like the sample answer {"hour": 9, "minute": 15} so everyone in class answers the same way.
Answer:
{"hour": 4, "minute": 18}
